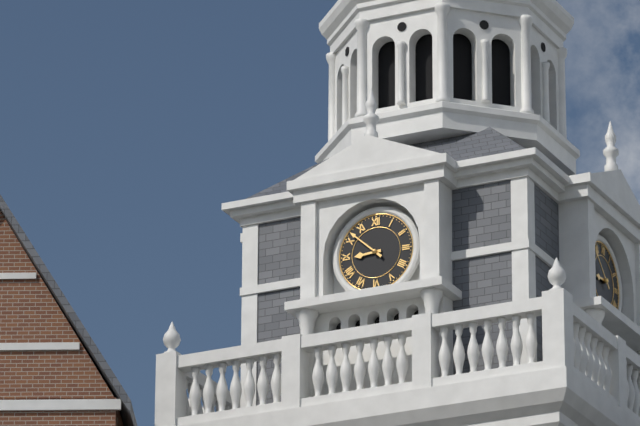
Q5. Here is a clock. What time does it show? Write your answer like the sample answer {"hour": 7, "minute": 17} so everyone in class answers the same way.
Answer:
{"hour": 8, "minute": 52}
